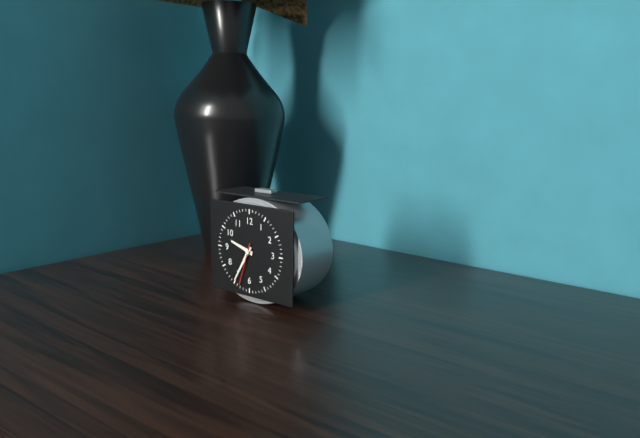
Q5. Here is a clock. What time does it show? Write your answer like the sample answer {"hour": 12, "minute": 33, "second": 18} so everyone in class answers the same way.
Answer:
{"hour": 9, "minute": 35, "second": 33}
